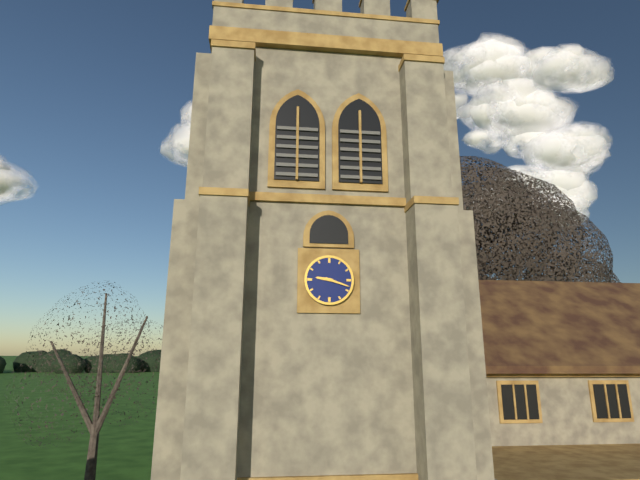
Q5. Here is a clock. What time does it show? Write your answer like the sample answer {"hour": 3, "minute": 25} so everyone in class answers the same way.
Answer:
{"hour": 9, "minute": 18}
